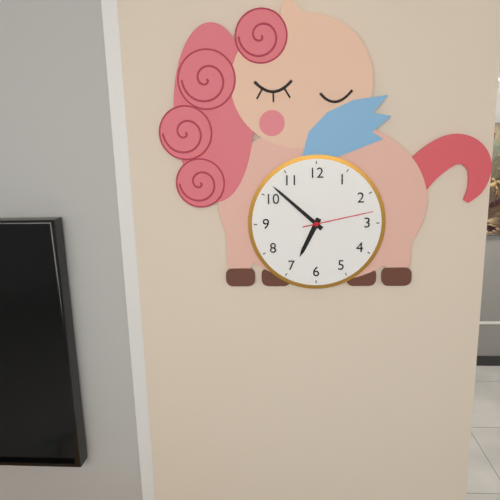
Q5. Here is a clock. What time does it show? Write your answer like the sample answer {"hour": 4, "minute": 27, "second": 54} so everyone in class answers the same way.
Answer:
{"hour": 6, "minute": 52, "second": 13}
